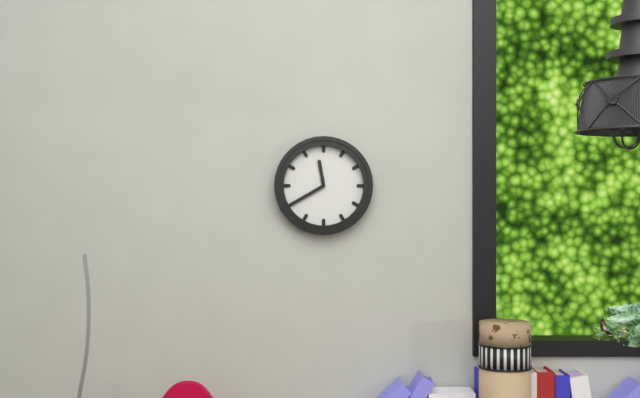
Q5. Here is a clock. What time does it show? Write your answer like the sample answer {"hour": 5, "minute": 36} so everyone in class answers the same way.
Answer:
{"hour": 11, "minute": 40}
